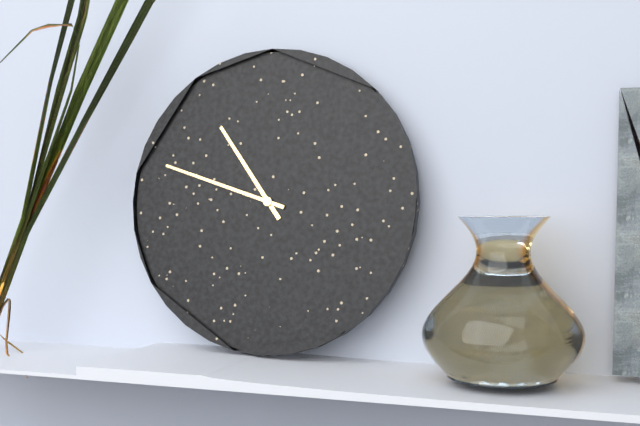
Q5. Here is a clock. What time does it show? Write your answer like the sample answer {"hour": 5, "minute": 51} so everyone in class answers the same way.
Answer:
{"hour": 10, "minute": 48}
